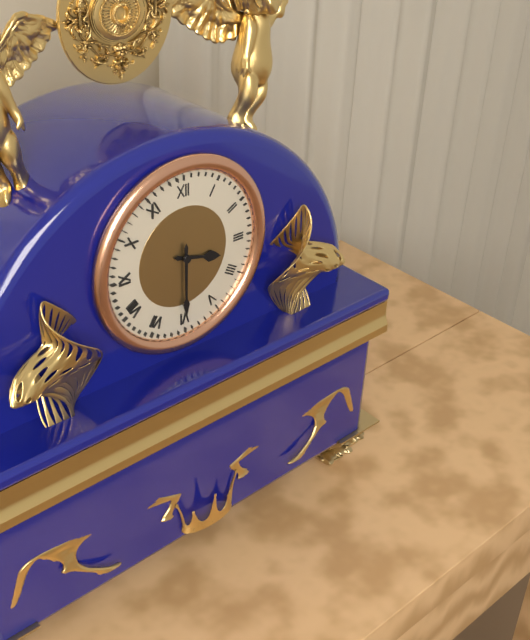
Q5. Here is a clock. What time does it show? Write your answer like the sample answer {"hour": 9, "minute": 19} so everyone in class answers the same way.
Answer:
{"hour": 3, "minute": 30}
